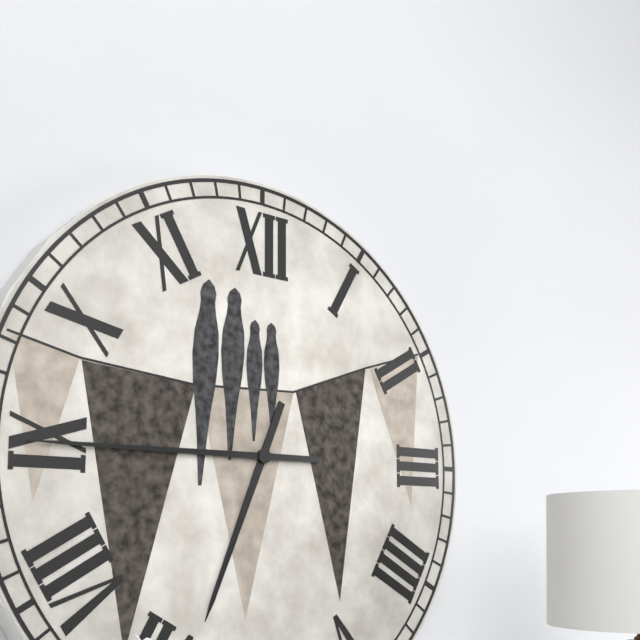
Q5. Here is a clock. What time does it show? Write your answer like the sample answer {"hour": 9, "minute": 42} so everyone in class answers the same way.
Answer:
{"hour": 6, "minute": 45}
